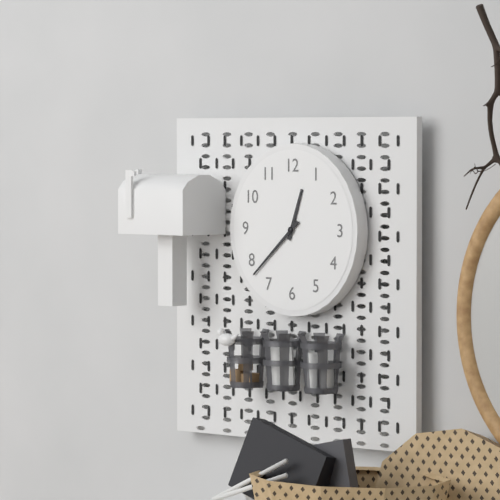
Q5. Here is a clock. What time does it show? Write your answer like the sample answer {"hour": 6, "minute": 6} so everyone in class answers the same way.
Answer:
{"hour": 12, "minute": 38}
